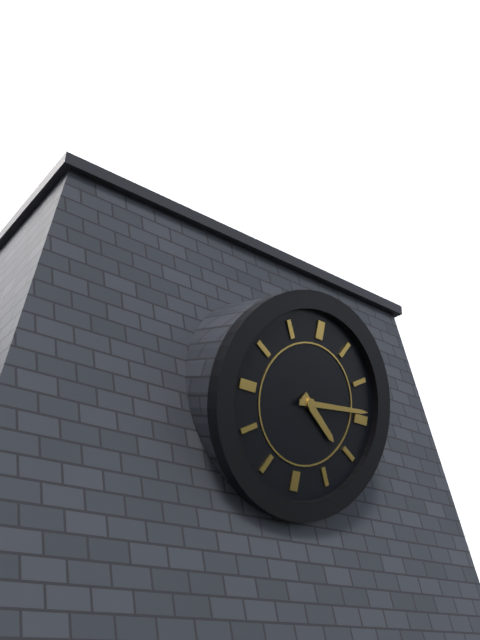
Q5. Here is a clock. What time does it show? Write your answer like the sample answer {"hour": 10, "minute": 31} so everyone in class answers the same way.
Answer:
{"hour": 4, "minute": 14}
